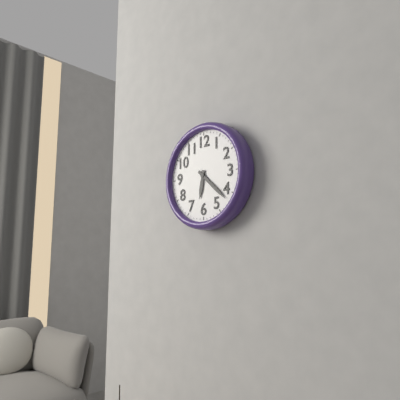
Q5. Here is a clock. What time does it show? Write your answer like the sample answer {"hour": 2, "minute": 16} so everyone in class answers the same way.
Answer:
{"hour": 6, "minute": 22}
